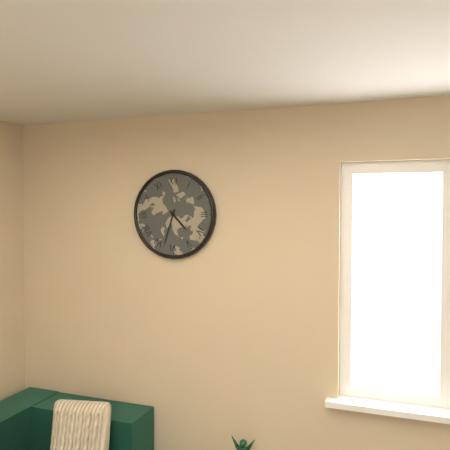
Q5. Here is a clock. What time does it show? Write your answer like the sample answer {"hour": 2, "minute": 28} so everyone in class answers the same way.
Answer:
{"hour": 4, "minute": 33}
